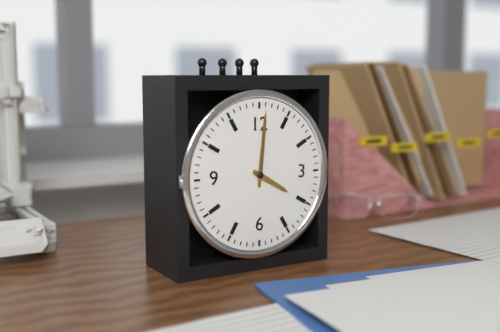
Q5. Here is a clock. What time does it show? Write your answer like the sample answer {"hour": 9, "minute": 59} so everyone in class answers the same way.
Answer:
{"hour": 4, "minute": 1}
